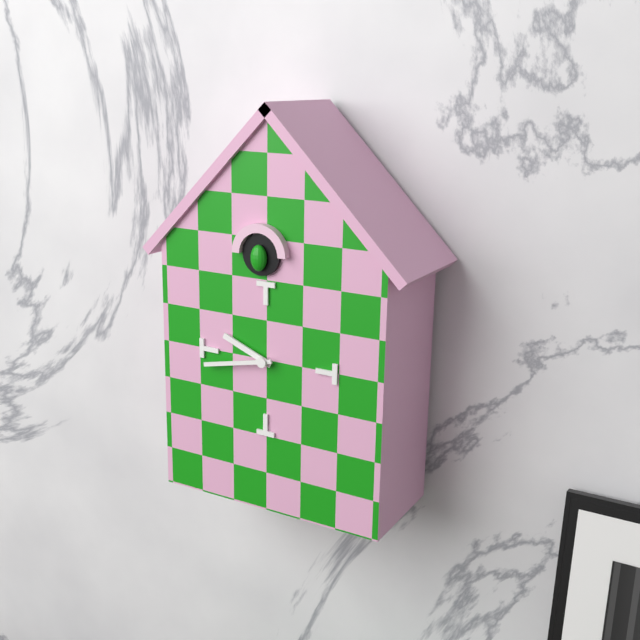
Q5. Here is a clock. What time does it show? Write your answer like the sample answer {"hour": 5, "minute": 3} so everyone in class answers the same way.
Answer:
{"hour": 9, "minute": 43}
